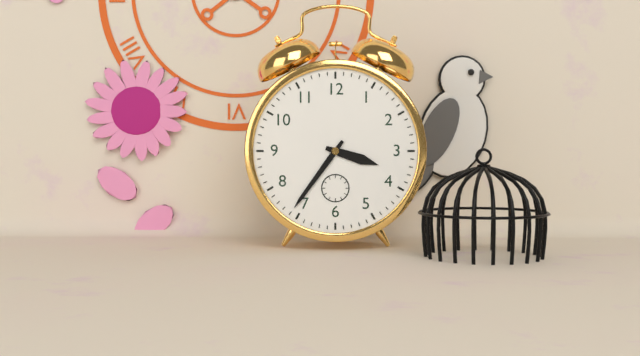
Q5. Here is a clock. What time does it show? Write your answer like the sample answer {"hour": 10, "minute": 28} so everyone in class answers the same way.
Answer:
{"hour": 3, "minute": 36}
